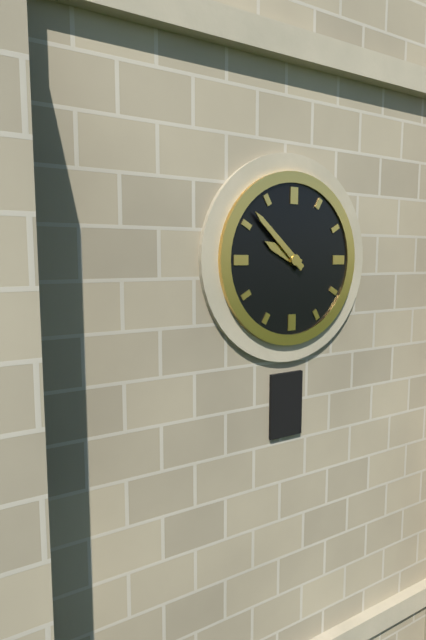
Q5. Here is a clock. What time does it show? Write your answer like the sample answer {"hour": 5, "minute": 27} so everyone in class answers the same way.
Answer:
{"hour": 9, "minute": 52}
